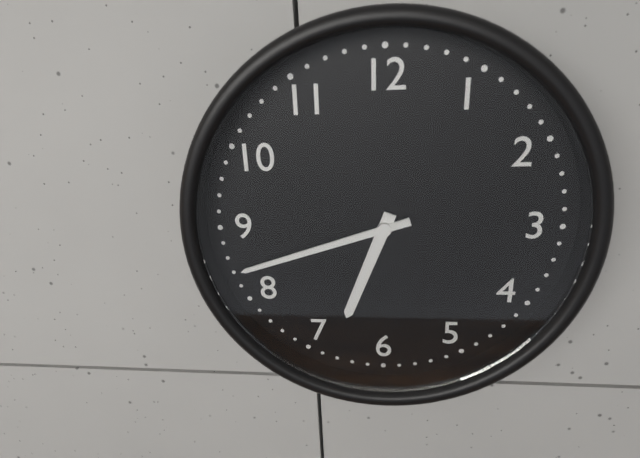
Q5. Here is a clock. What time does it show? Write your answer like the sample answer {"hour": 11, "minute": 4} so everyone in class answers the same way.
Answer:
{"hour": 6, "minute": 42}
